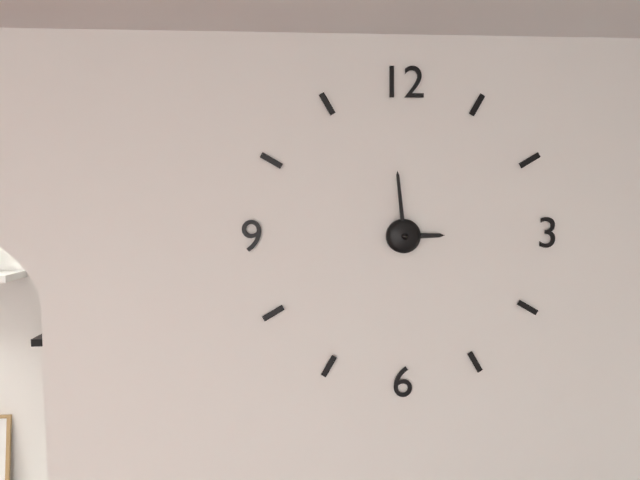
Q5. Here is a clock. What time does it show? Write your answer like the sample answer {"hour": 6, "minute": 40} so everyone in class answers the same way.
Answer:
{"hour": 2, "minute": 59}
